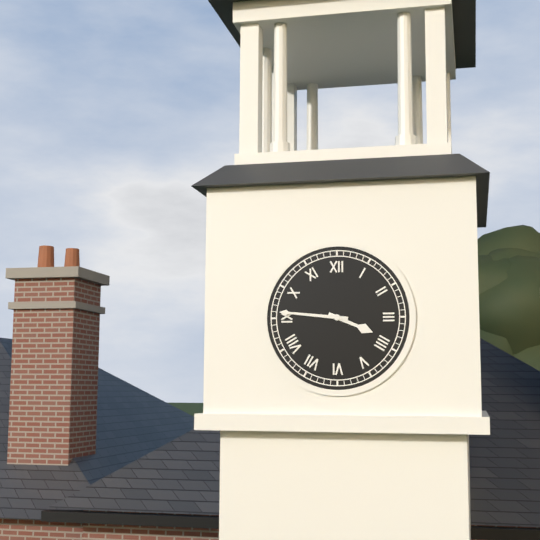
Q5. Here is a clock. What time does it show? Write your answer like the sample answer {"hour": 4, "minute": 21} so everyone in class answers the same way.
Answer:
{"hour": 3, "minute": 46}
